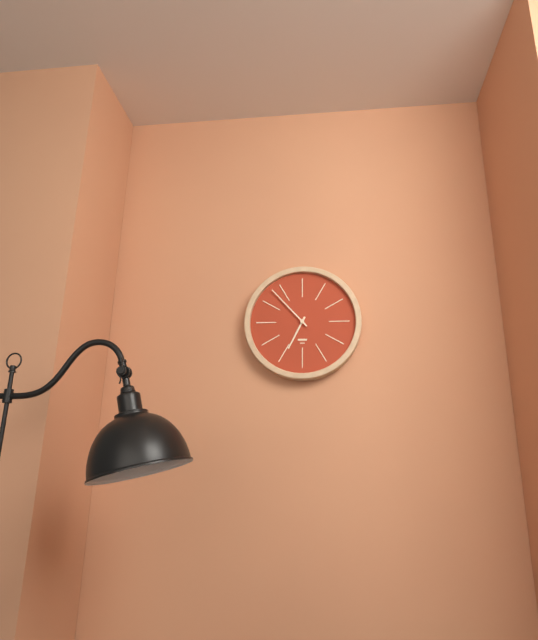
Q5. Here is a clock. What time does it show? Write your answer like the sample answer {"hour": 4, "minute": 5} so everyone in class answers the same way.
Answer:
{"hour": 6, "minute": 53}
